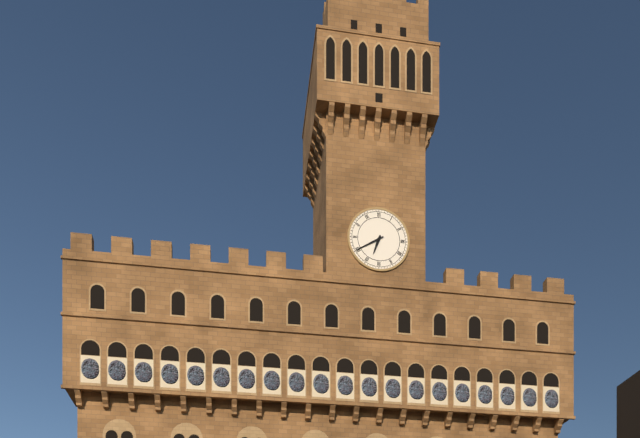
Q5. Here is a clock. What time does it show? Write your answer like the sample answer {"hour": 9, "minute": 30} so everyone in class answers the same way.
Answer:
{"hour": 6, "minute": 40}
